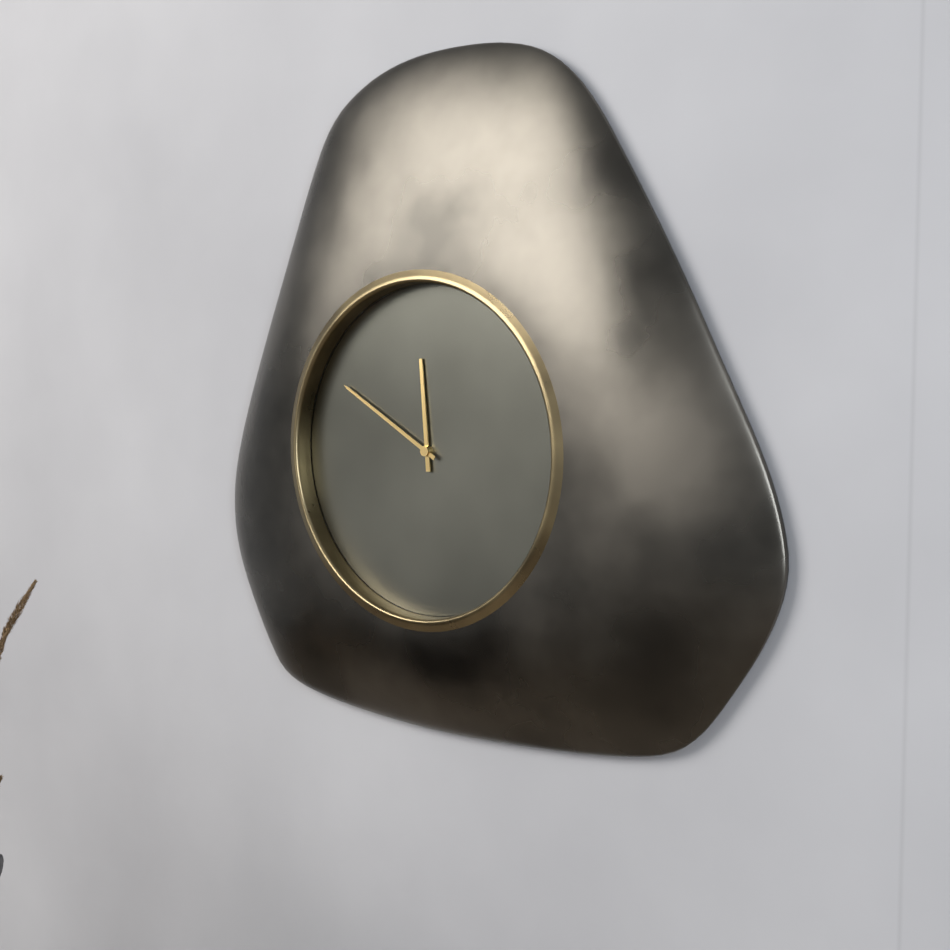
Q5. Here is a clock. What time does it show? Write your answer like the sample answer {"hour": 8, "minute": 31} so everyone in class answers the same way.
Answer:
{"hour": 11, "minute": 50}
